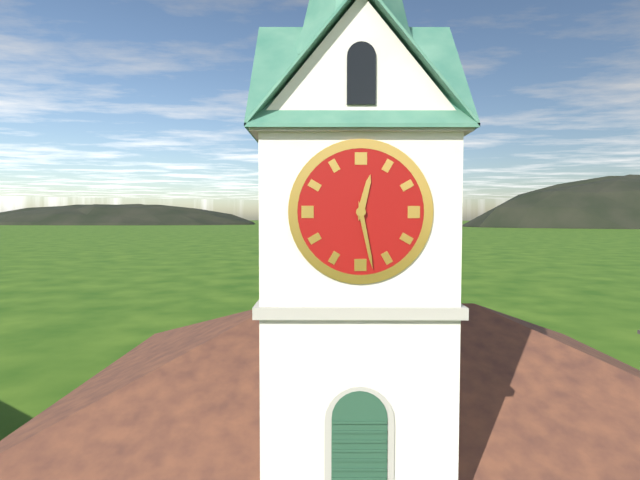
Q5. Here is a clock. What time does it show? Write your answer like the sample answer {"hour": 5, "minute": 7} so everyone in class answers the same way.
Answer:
{"hour": 12, "minute": 28}
